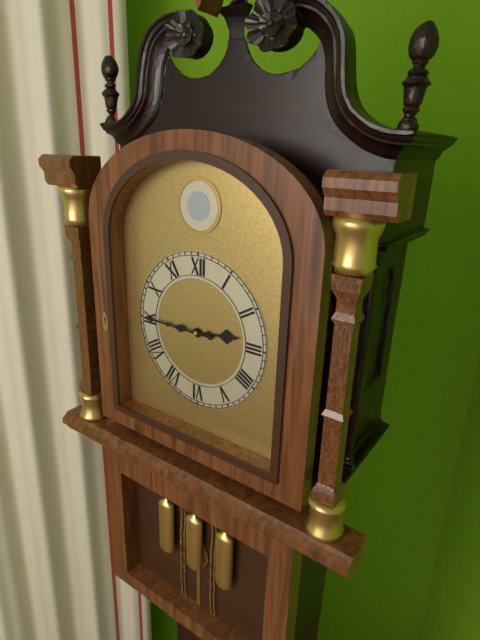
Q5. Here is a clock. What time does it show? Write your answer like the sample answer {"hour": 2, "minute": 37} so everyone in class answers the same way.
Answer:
{"hour": 2, "minute": 45}
